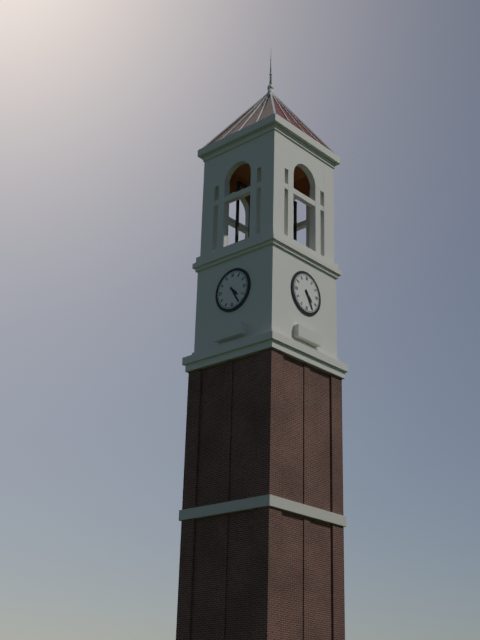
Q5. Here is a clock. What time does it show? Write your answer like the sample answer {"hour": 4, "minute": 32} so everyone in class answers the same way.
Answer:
{"hour": 4, "minute": 25}
